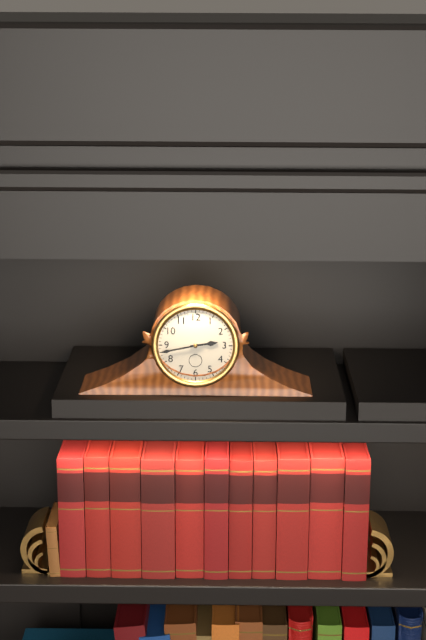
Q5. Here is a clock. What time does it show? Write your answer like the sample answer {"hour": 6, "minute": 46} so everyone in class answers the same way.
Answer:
{"hour": 2, "minute": 43}
